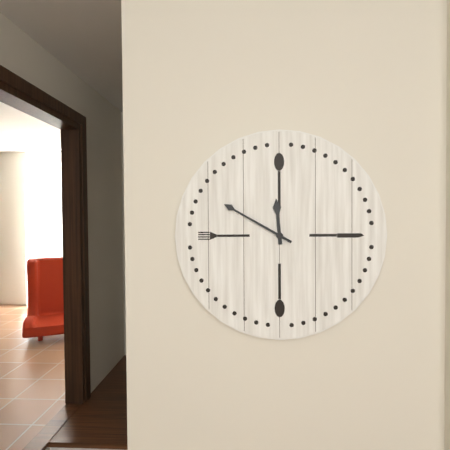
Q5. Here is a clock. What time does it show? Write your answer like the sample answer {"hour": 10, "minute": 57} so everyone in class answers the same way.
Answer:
{"hour": 11, "minute": 50}
